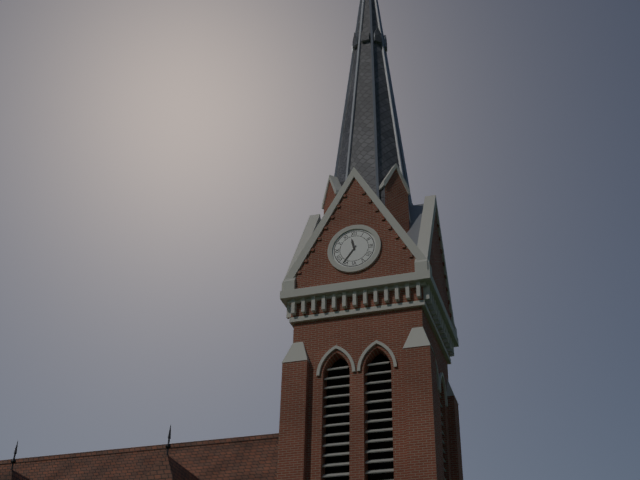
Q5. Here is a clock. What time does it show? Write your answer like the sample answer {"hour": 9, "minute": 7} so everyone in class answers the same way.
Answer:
{"hour": 11, "minute": 36}
